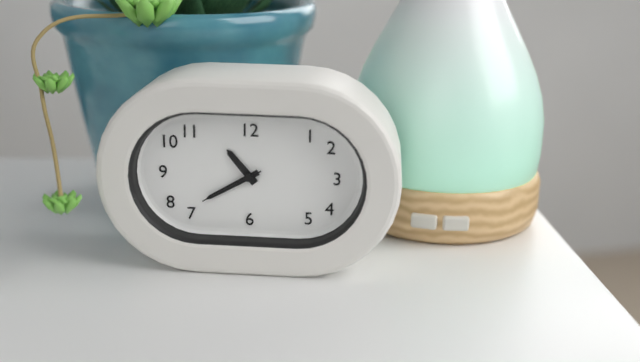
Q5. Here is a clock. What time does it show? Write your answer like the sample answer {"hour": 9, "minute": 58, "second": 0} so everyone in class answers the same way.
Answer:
{"hour": 10, "minute": 40, "second": 40}
